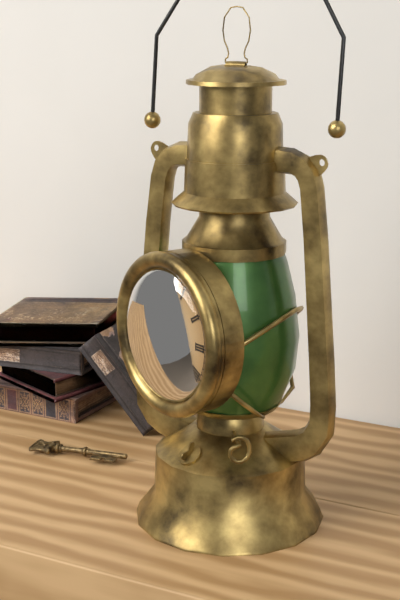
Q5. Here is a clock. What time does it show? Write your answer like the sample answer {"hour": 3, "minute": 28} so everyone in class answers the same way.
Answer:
{"hour": 12, "minute": 34}
